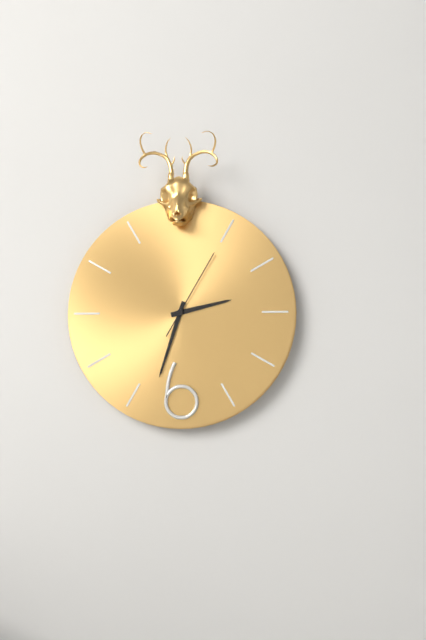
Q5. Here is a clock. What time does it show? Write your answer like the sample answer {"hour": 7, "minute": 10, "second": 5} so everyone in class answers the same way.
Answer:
{"hour": 2, "minute": 33, "second": 5}
